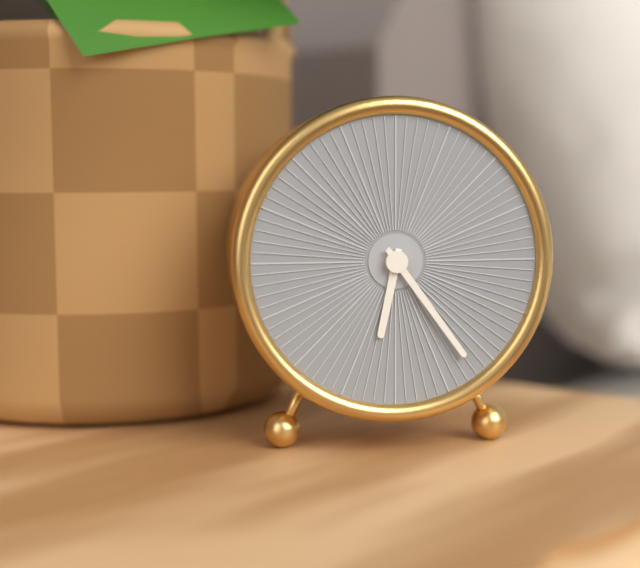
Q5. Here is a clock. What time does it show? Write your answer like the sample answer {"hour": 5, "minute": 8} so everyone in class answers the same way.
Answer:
{"hour": 6, "minute": 24}
